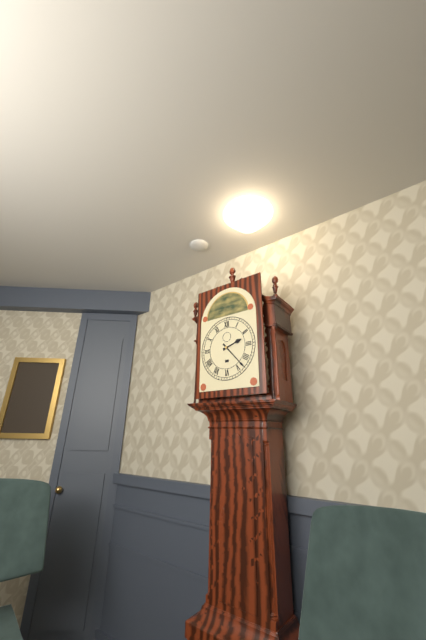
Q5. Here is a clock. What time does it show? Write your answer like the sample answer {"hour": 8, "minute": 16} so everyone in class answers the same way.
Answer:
{"hour": 2, "minute": 23}
